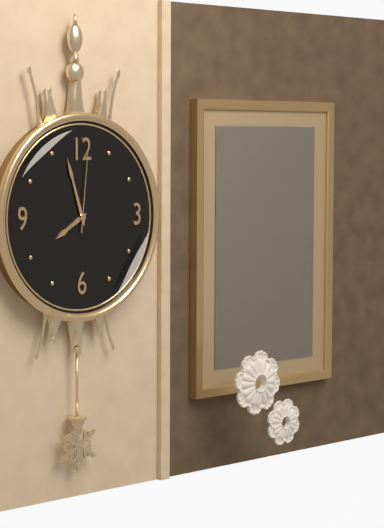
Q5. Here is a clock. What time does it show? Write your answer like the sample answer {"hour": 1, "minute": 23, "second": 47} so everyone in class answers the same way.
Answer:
{"hour": 7, "minute": 57, "second": 1}
